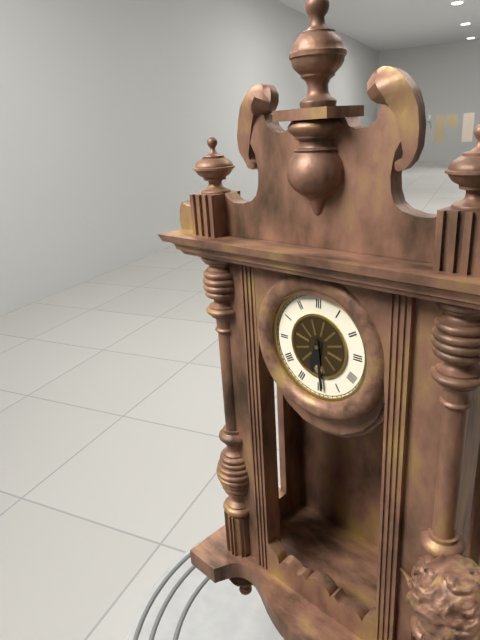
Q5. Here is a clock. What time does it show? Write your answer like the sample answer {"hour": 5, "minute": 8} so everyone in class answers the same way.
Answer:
{"hour": 6, "minute": 29}
